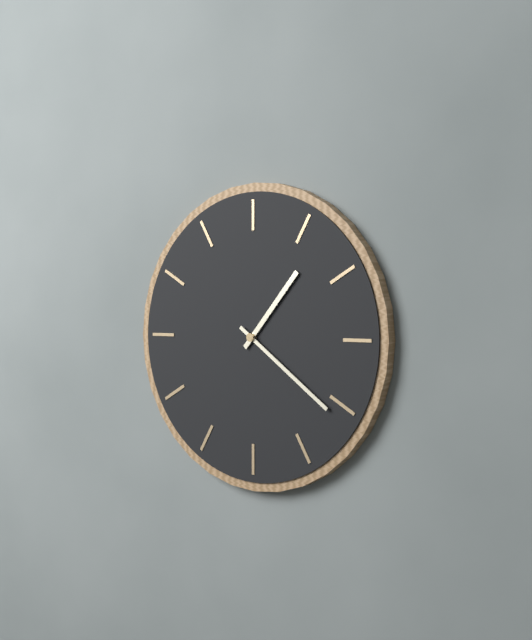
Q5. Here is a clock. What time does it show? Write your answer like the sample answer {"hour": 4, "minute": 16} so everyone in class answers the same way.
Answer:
{"hour": 1, "minute": 21}
